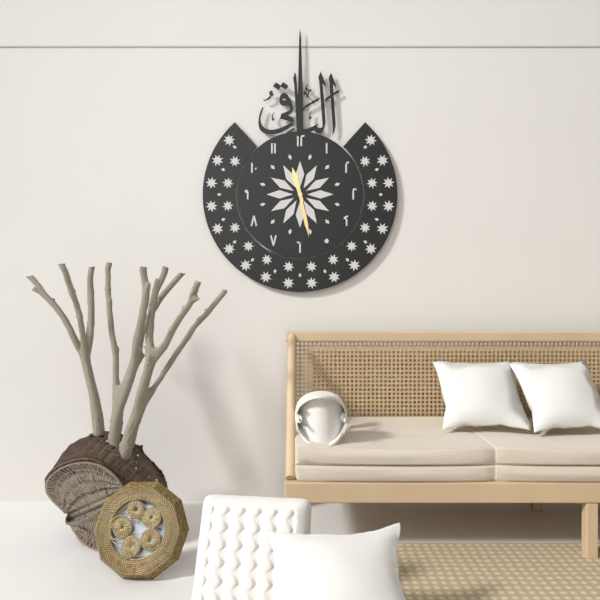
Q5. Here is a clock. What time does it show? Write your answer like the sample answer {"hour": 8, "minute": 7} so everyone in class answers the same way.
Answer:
{"hour": 11, "minute": 28}
